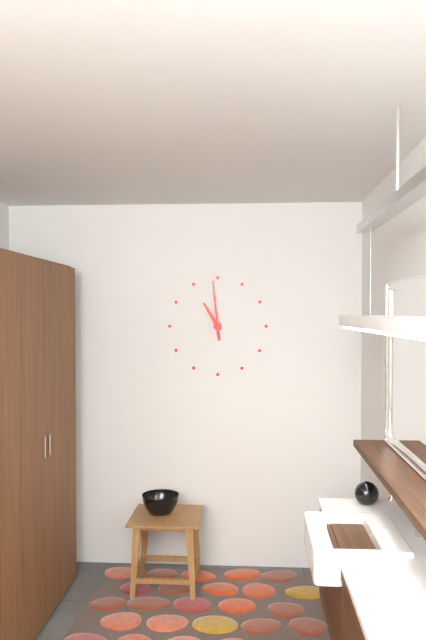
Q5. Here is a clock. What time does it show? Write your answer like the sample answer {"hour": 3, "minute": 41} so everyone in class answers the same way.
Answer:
{"hour": 10, "minute": 59}
